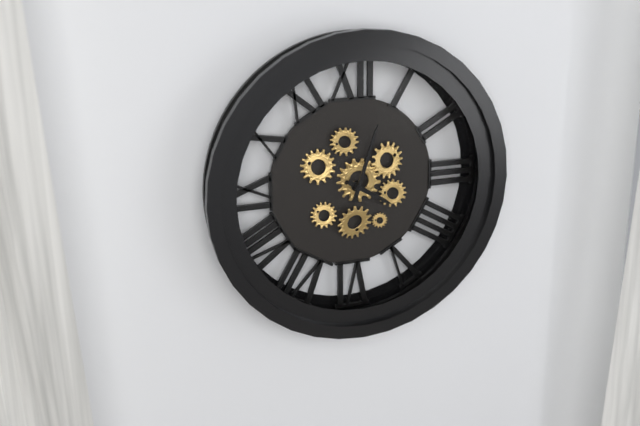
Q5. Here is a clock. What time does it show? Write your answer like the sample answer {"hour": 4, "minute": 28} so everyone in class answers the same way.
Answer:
{"hour": 4, "minute": 3}
